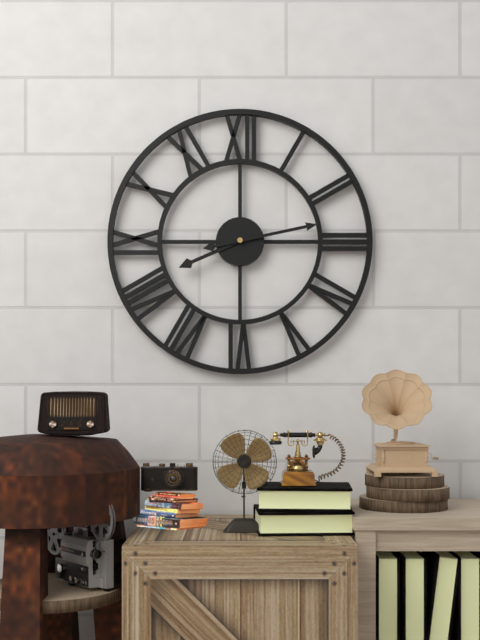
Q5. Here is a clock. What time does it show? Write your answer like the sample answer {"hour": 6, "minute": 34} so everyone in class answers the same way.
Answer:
{"hour": 8, "minute": 13}
